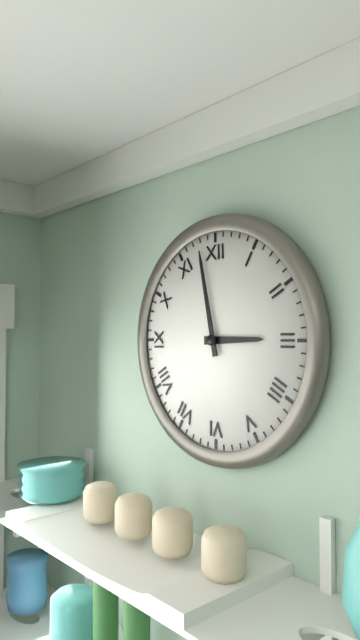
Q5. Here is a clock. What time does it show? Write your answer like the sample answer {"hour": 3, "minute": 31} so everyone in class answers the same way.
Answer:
{"hour": 2, "minute": 58}
